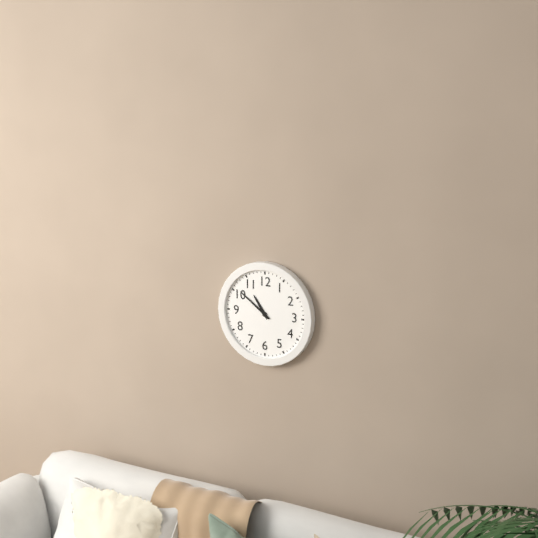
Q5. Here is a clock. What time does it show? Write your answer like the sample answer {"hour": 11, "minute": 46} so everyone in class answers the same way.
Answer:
{"hour": 10, "minute": 51}
